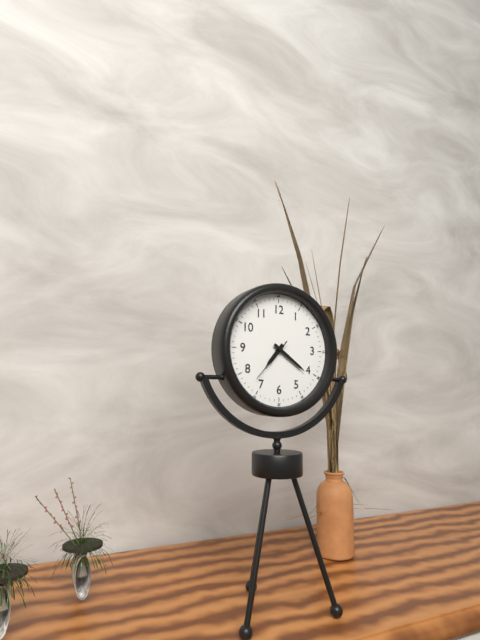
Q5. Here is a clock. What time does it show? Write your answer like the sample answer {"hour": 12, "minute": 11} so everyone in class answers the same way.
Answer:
{"hour": 7, "minute": 21}
